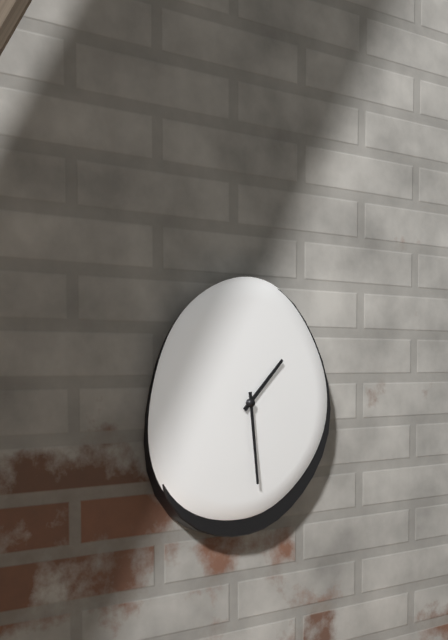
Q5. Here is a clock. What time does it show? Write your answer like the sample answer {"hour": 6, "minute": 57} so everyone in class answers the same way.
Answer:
{"hour": 1, "minute": 29}
